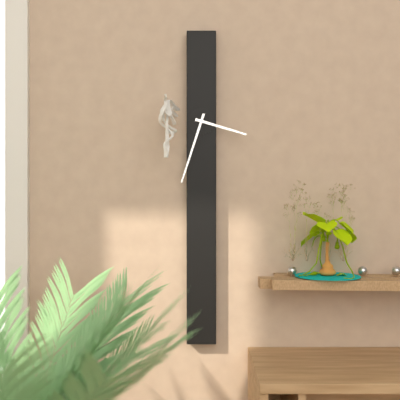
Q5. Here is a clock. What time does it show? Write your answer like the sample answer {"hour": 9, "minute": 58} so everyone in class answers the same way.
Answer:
{"hour": 3, "minute": 33}
